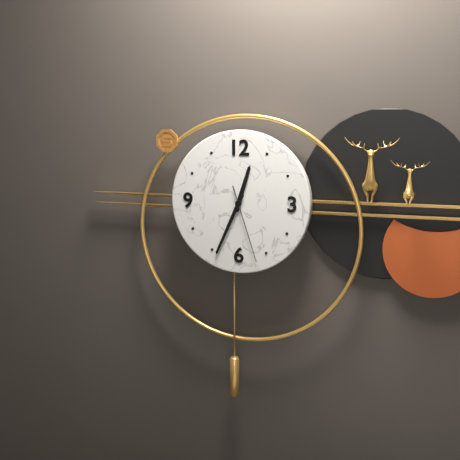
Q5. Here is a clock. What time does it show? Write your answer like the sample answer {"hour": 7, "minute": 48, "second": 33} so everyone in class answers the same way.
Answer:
{"hour": 12, "minute": 34, "second": 27}
